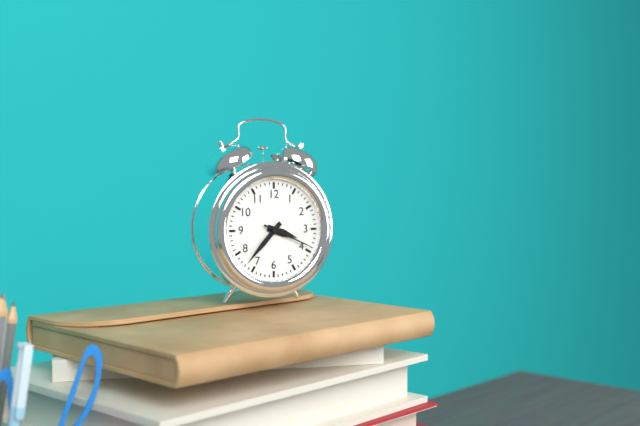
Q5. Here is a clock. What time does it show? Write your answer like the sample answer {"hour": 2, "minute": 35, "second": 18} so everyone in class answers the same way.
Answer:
{"hour": 3, "minute": 37, "second": 19}
